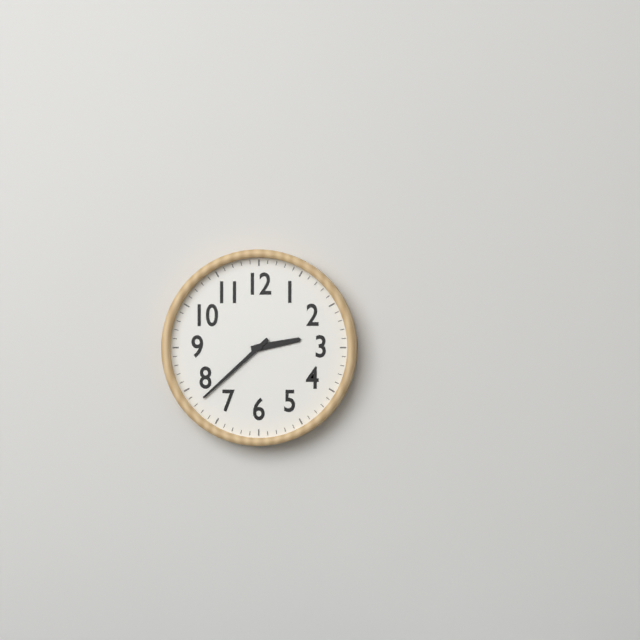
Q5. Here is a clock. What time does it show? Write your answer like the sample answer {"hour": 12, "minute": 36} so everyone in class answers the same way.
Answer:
{"hour": 2, "minute": 38}
